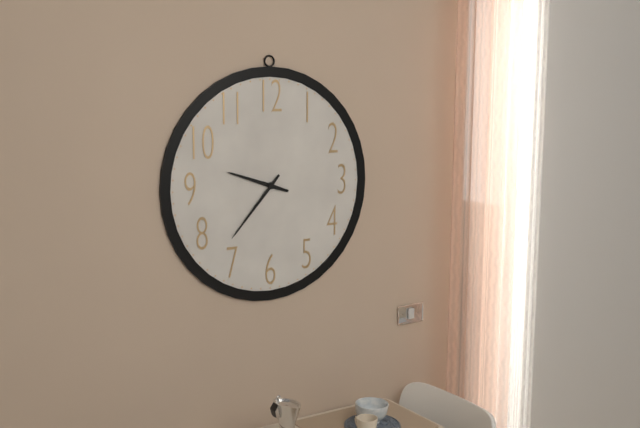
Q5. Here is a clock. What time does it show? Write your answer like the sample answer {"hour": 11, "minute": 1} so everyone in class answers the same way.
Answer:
{"hour": 9, "minute": 37}
